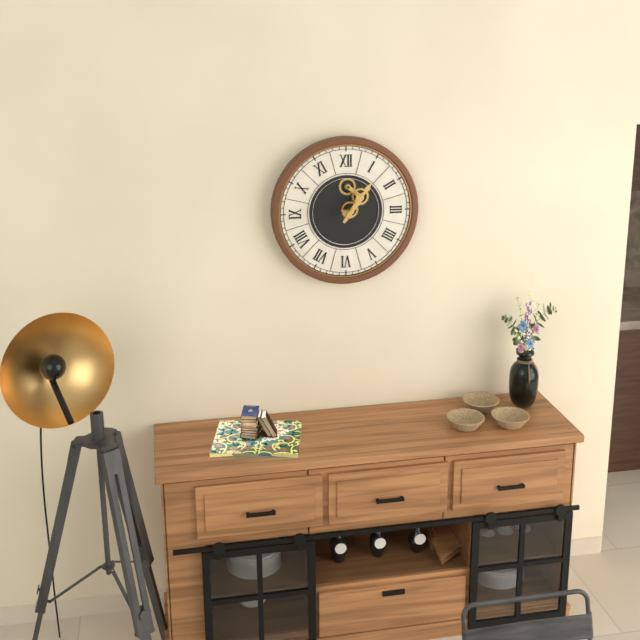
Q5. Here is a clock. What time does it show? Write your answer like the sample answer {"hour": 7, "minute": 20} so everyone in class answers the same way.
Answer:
{"hour": 1, "minute": 6}
